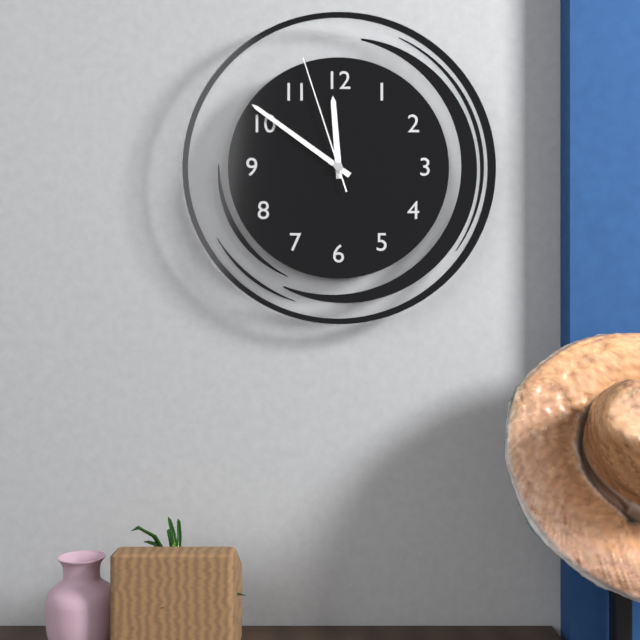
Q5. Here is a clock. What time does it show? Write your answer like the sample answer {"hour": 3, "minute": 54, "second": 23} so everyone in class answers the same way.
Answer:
{"hour": 11, "minute": 51, "second": 57}
